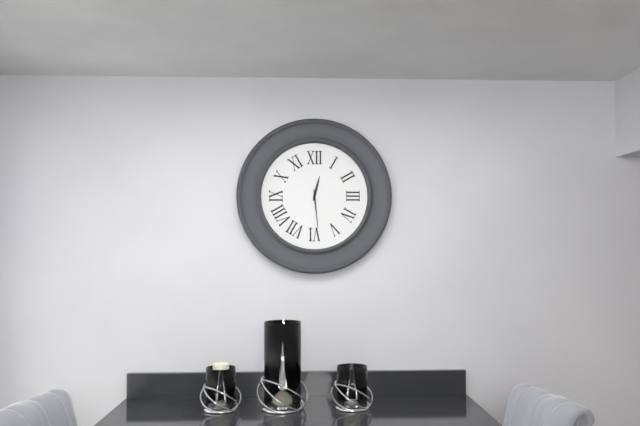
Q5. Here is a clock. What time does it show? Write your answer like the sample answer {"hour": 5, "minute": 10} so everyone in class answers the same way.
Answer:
{"hour": 12, "minute": 29}
